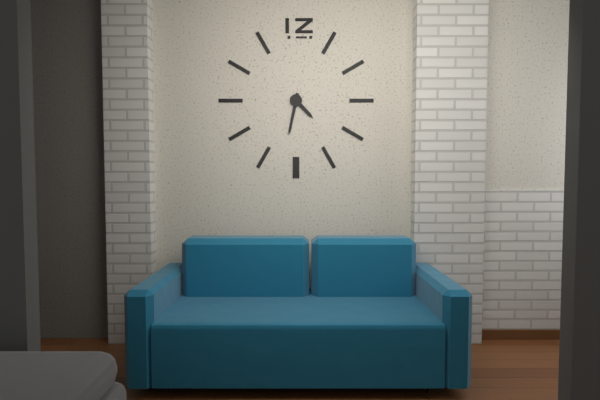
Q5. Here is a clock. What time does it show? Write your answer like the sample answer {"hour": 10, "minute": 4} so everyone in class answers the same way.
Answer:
{"hour": 4, "minute": 32}
